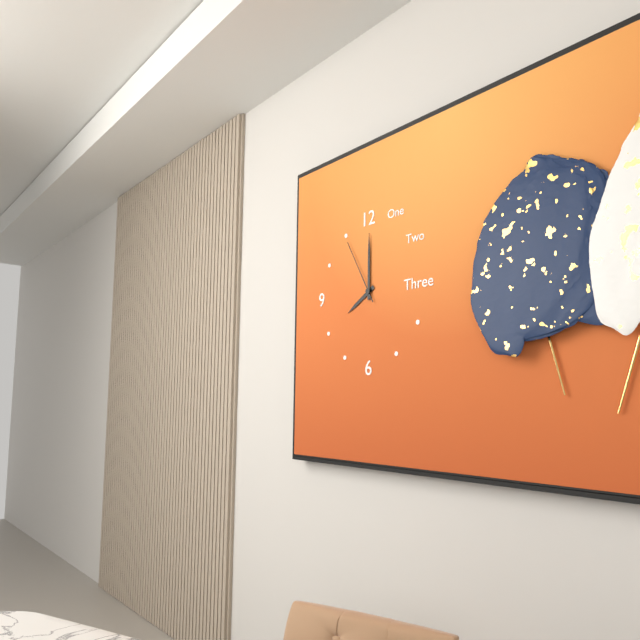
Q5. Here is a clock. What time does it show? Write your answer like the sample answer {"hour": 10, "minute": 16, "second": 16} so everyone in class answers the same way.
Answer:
{"hour": 8, "minute": 0, "second": 55}
